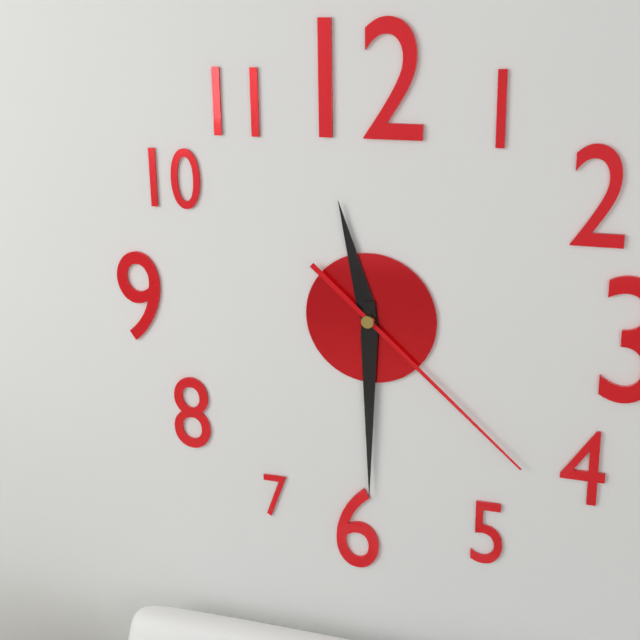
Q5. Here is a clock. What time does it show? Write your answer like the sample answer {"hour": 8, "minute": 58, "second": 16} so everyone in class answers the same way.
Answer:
{"hour": 11, "minute": 30, "second": 22}
